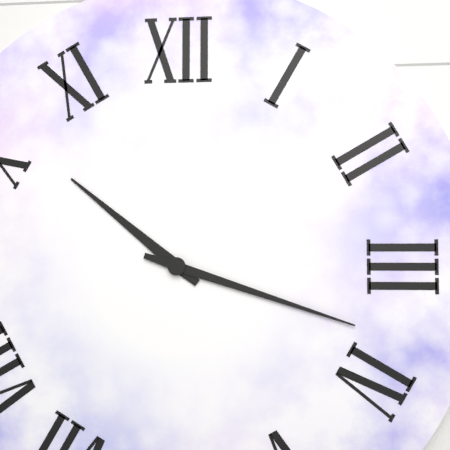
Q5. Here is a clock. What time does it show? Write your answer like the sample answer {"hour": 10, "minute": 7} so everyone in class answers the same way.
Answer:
{"hour": 10, "minute": 18}
